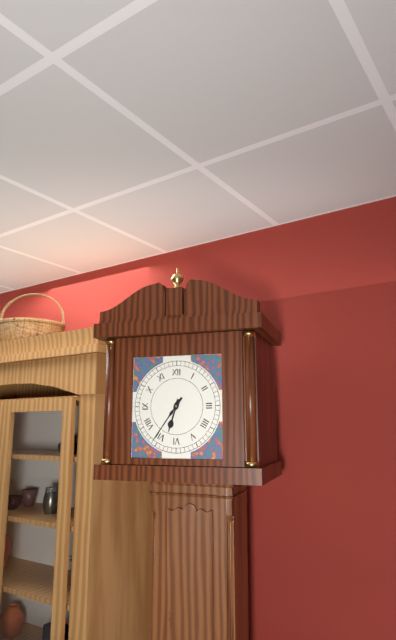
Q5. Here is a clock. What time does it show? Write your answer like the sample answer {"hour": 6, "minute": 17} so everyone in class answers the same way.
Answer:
{"hour": 6, "minute": 36}
